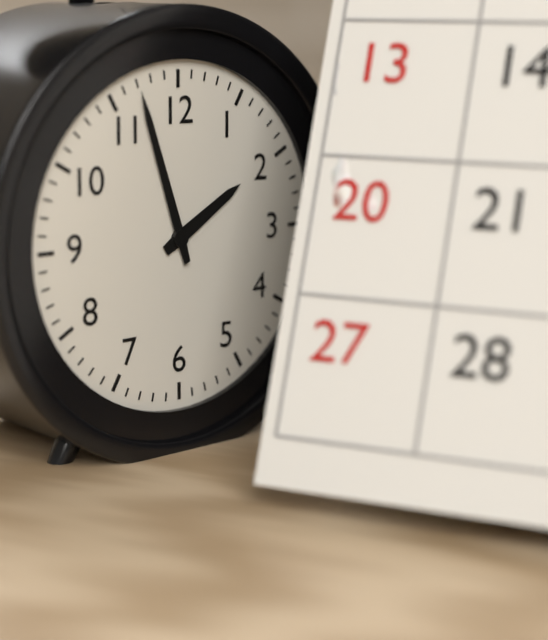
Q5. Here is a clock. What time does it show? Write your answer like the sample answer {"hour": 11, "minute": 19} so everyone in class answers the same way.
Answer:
{"hour": 1, "minute": 57}
